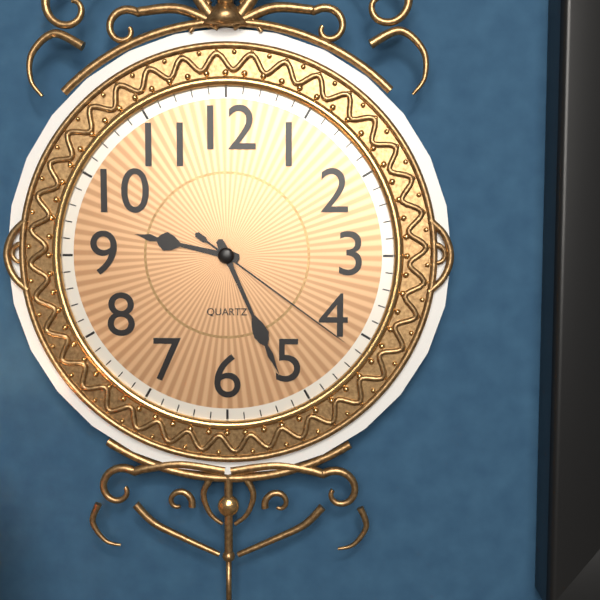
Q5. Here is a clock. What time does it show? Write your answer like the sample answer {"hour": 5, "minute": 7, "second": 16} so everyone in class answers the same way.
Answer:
{"hour": 9, "minute": 26, "second": 21}
